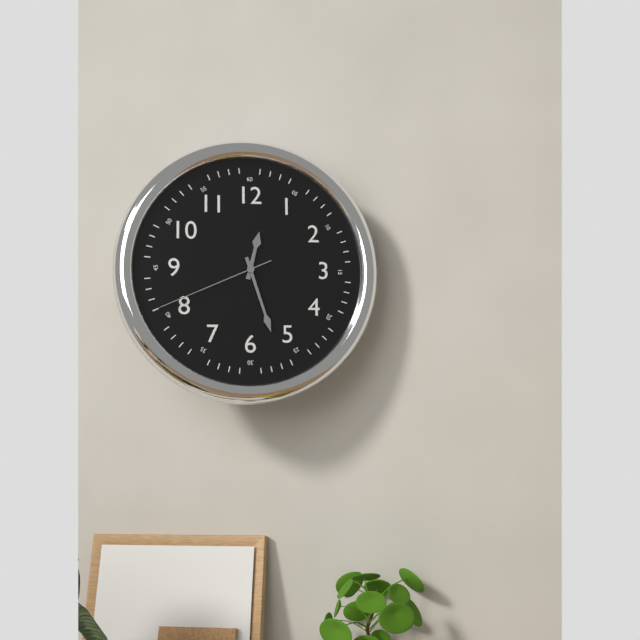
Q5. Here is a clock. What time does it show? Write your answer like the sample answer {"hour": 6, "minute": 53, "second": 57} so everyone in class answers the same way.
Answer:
{"hour": 12, "minute": 27, "second": 41}
